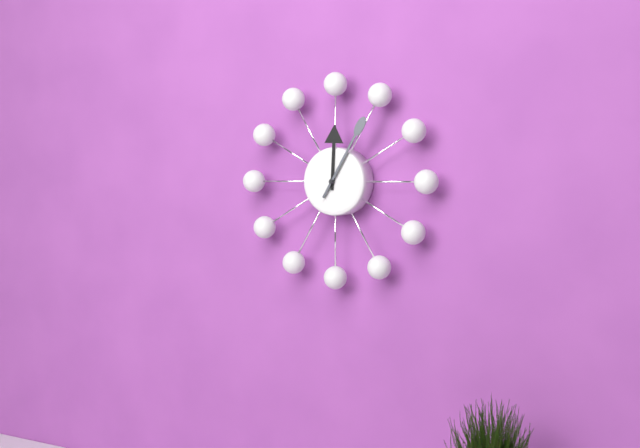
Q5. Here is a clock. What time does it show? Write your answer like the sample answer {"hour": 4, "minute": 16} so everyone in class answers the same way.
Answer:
{"hour": 12, "minute": 5}
